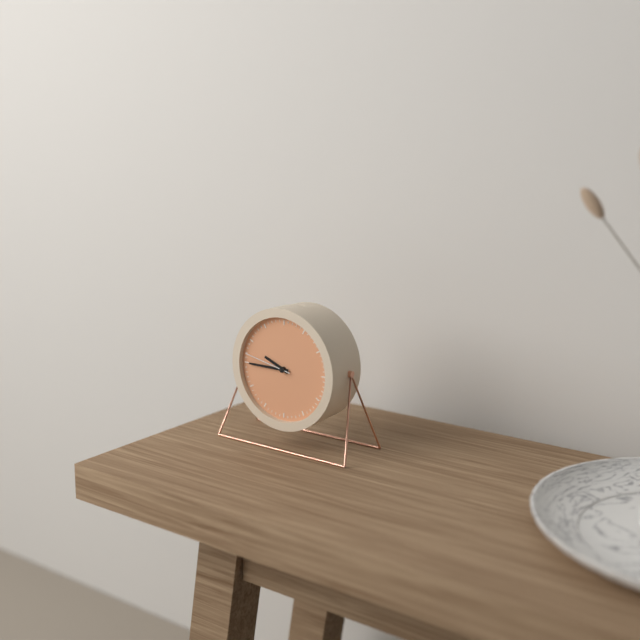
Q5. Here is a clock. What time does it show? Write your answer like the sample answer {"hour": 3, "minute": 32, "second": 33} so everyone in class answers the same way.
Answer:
{"hour": 9, "minute": 45, "second": 47}
